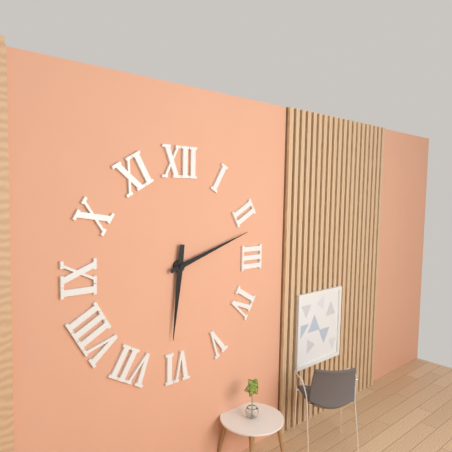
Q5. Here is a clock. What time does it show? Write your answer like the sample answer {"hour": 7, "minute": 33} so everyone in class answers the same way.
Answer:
{"hour": 6, "minute": 12}
